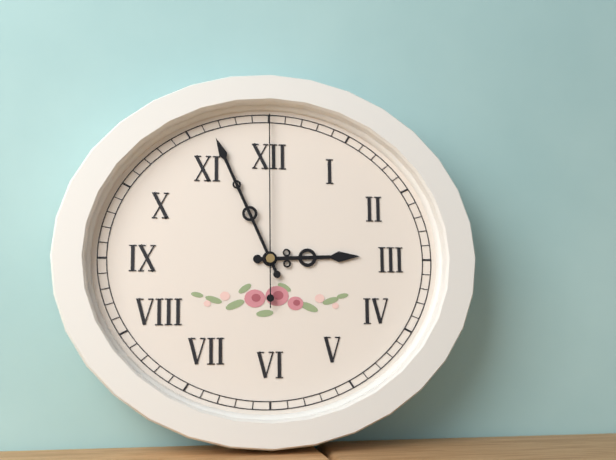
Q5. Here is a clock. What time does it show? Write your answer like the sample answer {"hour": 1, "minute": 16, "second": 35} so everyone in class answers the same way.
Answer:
{"hour": 2, "minute": 56, "second": 0}
